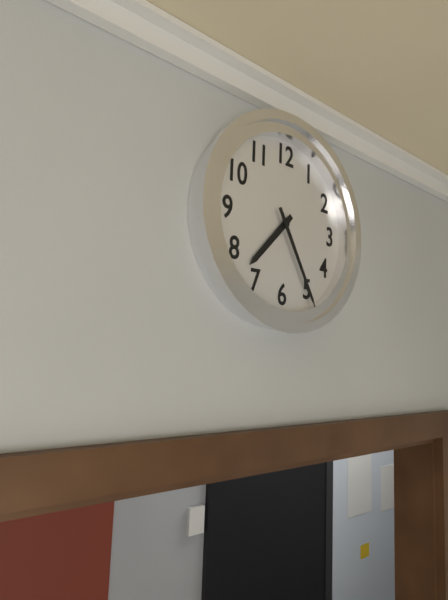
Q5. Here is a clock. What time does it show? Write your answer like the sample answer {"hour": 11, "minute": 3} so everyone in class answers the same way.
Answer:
{"hour": 7, "minute": 25}
